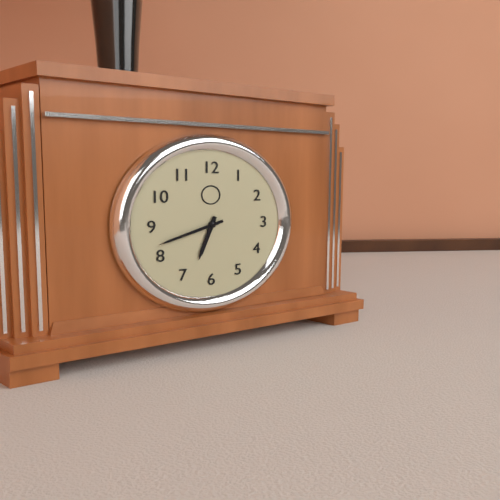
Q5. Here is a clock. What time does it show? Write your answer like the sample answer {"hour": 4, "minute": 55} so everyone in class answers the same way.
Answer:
{"hour": 6, "minute": 42}
